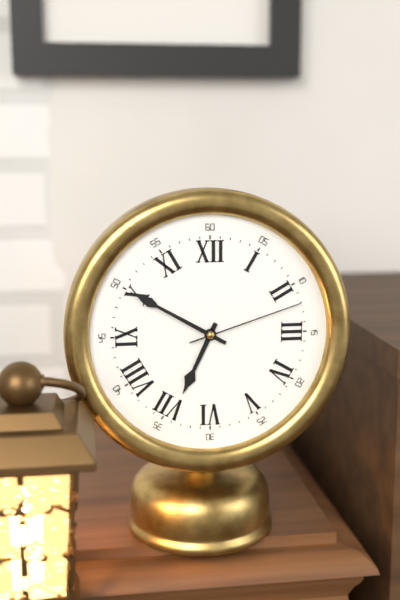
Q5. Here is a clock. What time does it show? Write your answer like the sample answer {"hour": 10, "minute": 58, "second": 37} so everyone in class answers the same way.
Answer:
{"hour": 6, "minute": 50, "second": 12}
